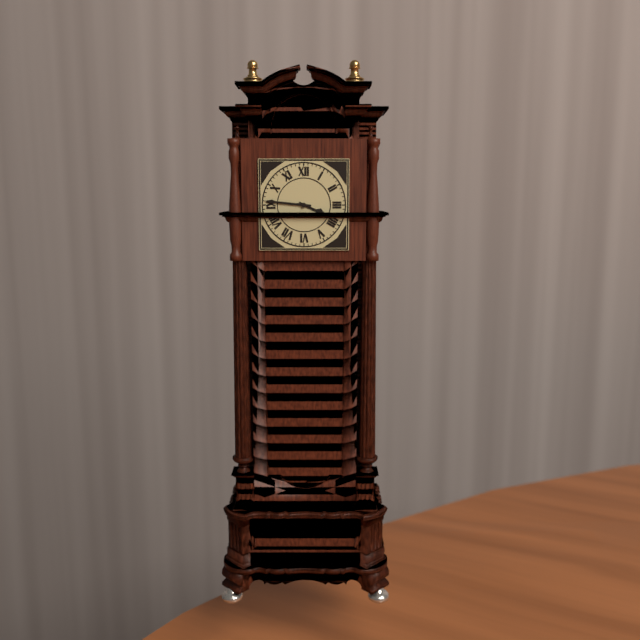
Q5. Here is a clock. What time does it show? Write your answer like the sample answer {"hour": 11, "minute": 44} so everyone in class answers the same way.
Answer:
{"hour": 3, "minute": 46}
